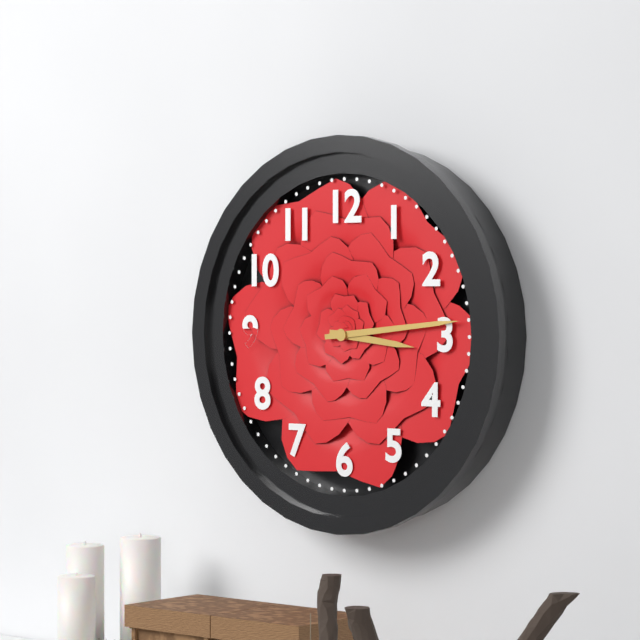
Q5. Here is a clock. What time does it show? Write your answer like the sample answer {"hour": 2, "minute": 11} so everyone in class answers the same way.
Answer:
{"hour": 3, "minute": 14}
